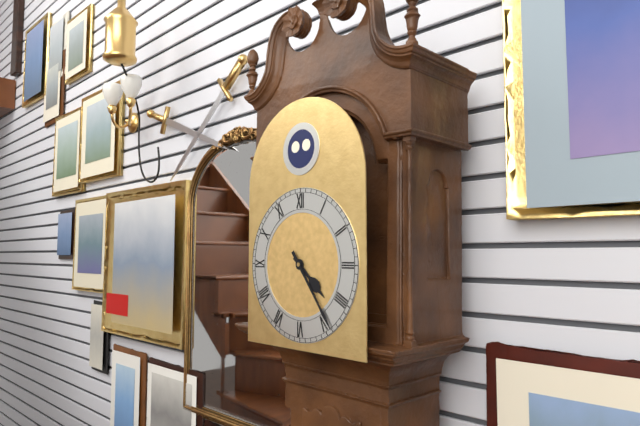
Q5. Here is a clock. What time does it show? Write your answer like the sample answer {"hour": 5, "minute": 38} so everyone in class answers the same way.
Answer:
{"hour": 4, "minute": 24}
